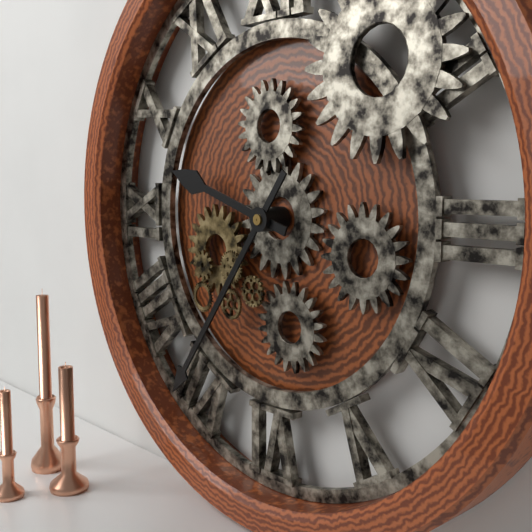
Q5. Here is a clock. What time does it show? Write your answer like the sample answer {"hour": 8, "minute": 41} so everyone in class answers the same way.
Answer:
{"hour": 9, "minute": 36}
